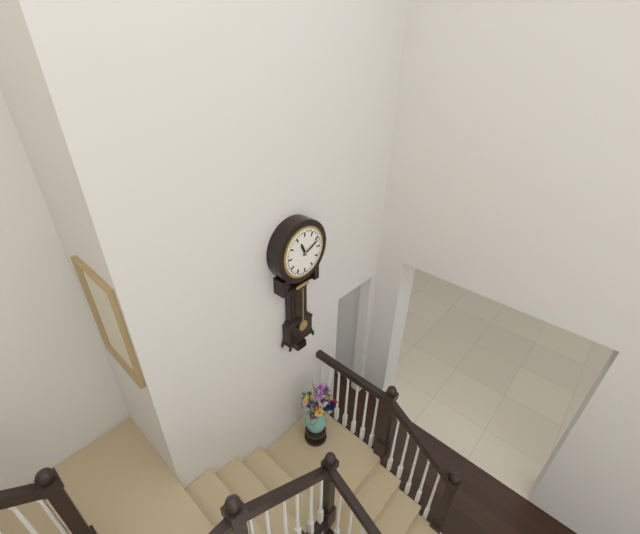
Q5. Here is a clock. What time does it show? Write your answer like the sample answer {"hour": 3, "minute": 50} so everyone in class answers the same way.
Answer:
{"hour": 11, "minute": 11}
